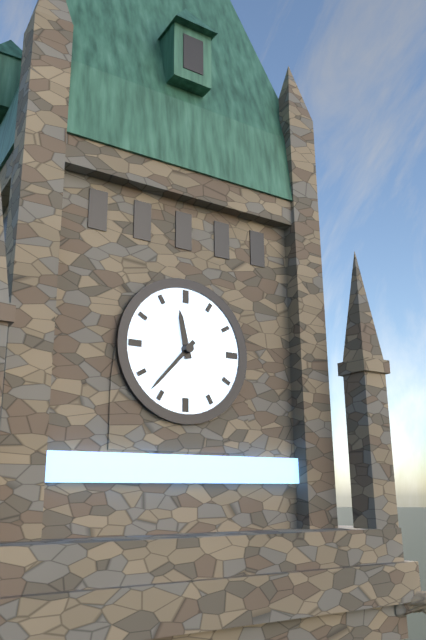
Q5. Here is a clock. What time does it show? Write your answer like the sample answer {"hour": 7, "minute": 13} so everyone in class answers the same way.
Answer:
{"hour": 11, "minute": 37}
